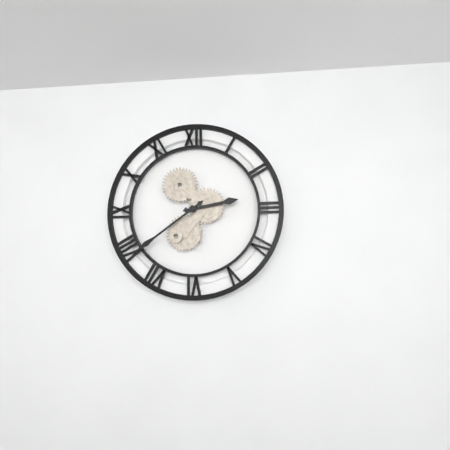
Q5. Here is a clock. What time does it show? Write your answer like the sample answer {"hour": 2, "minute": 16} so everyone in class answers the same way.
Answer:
{"hour": 2, "minute": 39}
